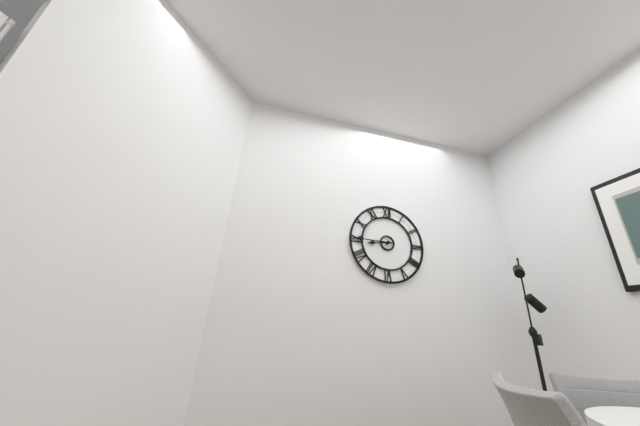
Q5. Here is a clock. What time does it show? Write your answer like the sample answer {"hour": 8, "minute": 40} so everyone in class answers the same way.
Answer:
{"hour": 8, "minute": 45}
